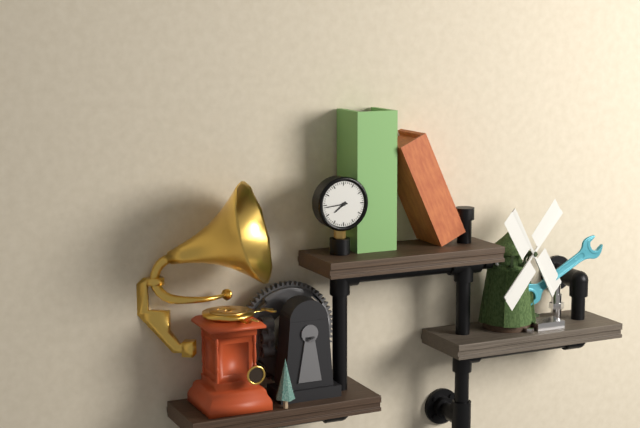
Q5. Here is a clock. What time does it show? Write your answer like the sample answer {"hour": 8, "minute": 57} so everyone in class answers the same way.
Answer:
{"hour": 7, "minute": 44}
